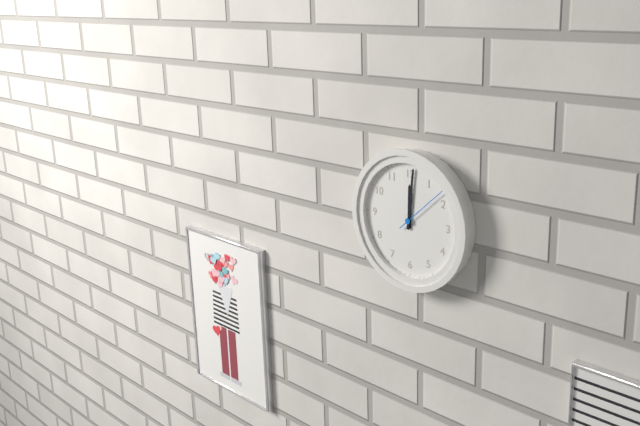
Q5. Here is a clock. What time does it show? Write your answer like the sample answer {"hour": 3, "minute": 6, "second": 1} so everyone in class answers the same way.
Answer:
{"hour": 12, "minute": 1, "second": 8}
